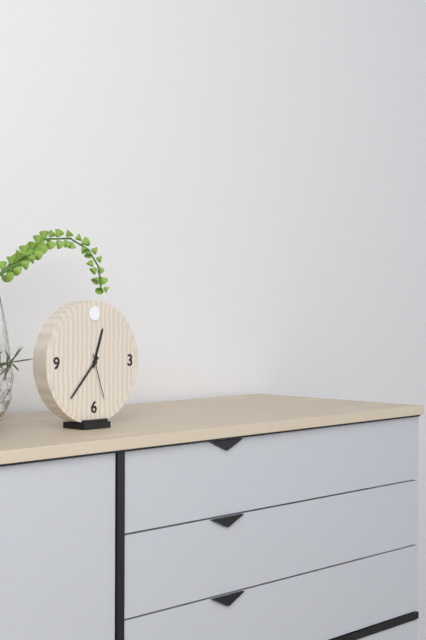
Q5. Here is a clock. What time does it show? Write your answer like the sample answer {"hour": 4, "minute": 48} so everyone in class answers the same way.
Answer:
{"hour": 12, "minute": 37}
